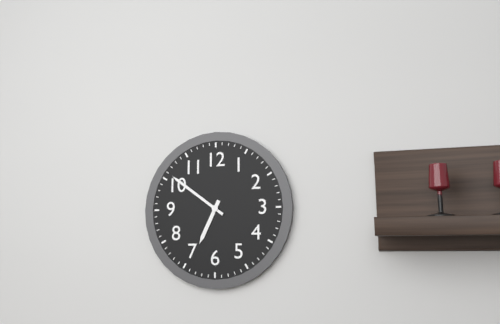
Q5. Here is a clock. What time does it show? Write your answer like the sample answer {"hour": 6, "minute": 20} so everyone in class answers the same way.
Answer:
{"hour": 6, "minute": 51}
